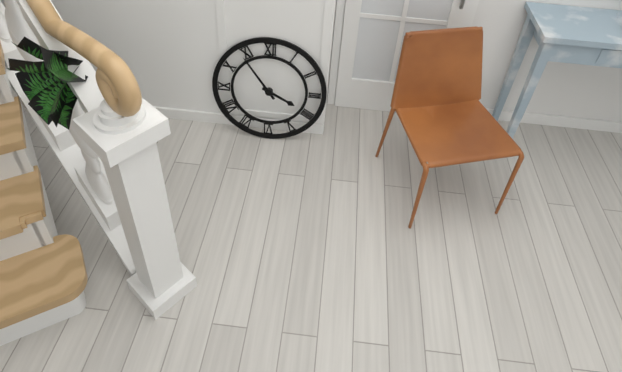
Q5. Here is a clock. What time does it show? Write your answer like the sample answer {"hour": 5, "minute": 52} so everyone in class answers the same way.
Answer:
{"hour": 3, "minute": 54}
